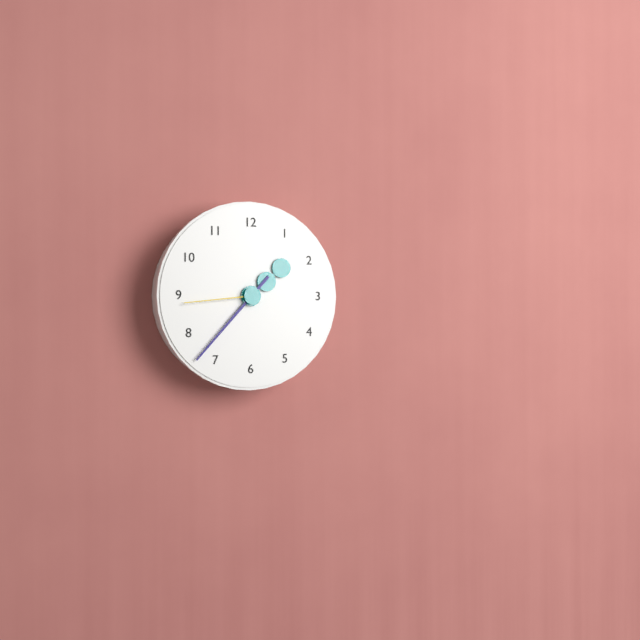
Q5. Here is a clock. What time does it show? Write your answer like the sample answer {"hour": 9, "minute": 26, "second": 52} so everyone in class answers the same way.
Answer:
{"hour": 1, "minute": 37, "second": 44}
